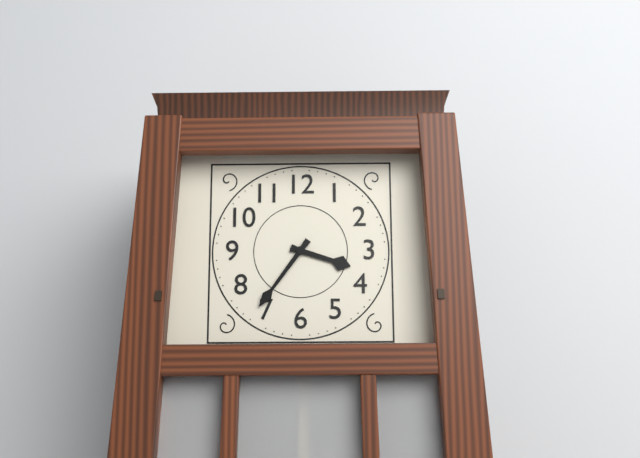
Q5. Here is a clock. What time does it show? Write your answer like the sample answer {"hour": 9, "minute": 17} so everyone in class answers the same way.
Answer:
{"hour": 3, "minute": 36}
